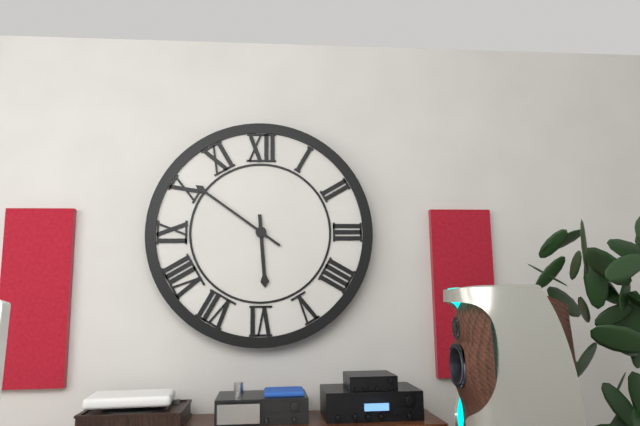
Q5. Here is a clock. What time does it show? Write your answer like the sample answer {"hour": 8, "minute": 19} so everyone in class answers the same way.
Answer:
{"hour": 5, "minute": 51}
